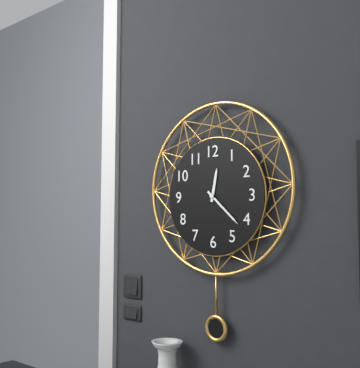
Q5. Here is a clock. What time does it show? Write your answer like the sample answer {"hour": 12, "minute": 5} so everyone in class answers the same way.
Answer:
{"hour": 12, "minute": 22}
